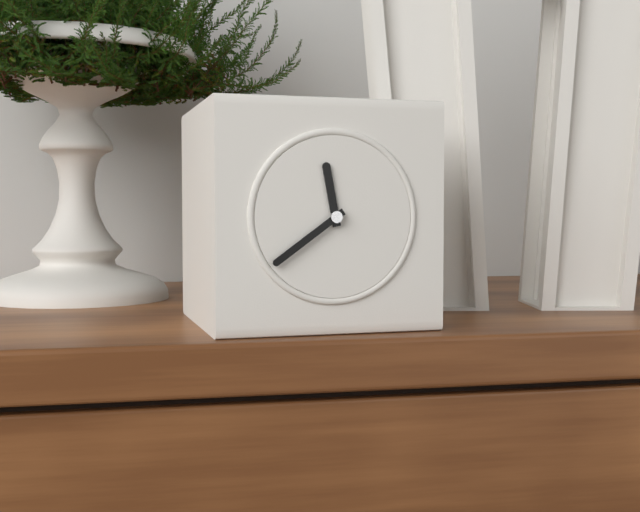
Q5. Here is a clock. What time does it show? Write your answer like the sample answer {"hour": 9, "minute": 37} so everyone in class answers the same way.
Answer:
{"hour": 11, "minute": 39}
